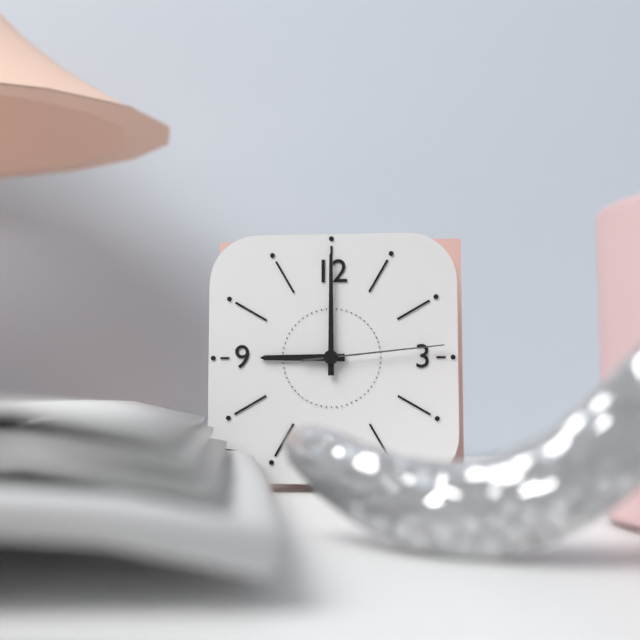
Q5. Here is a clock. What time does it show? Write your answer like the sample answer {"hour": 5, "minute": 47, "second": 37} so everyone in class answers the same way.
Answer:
{"hour": 9, "minute": 0, "second": 14}
